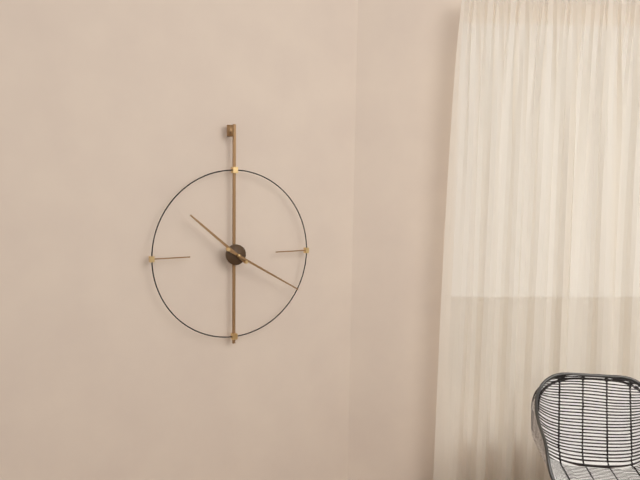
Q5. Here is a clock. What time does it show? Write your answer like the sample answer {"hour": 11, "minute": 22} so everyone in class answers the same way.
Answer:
{"hour": 10, "minute": 20}
